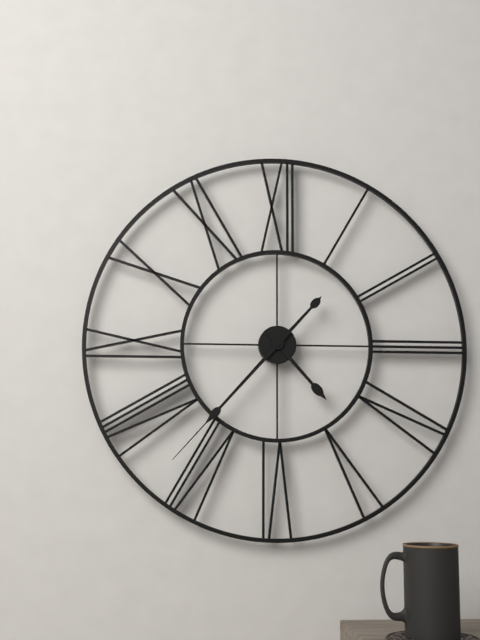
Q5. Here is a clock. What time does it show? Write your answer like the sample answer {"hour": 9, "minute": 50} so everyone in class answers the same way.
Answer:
{"hour": 4, "minute": 37}
